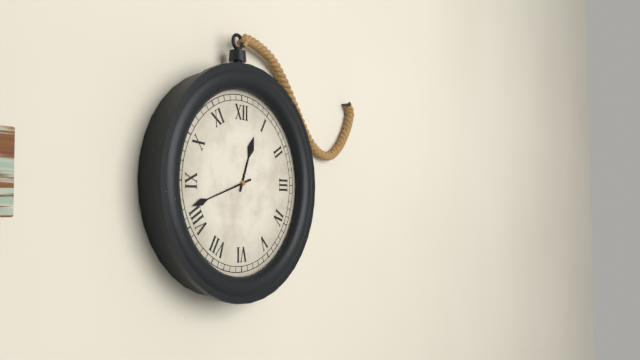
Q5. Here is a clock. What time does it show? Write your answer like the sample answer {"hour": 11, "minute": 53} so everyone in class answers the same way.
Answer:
{"hour": 12, "minute": 42}
